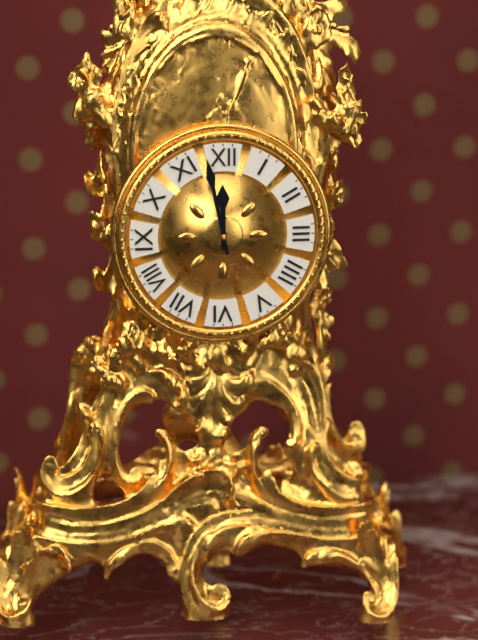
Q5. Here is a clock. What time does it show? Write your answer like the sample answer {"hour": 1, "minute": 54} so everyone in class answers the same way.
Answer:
{"hour": 11, "minute": 58}
